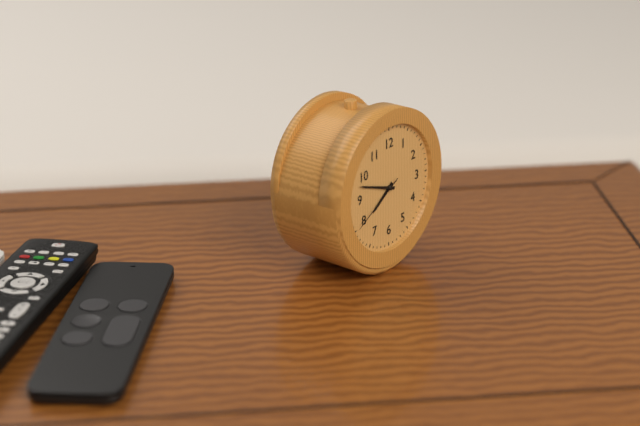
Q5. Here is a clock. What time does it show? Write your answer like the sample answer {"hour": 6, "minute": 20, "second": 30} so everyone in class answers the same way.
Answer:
{"hour": 7, "minute": 48, "second": 40}
